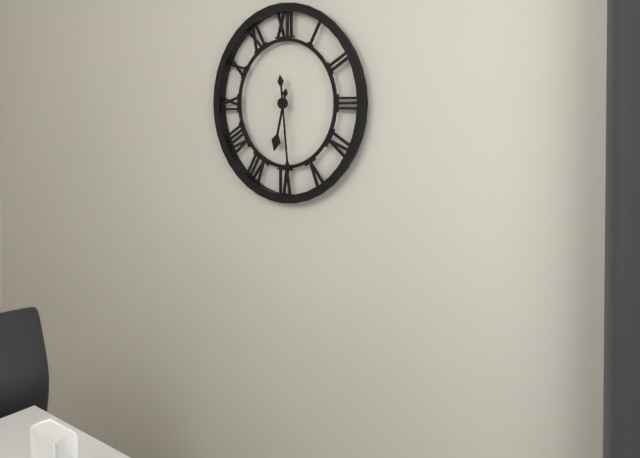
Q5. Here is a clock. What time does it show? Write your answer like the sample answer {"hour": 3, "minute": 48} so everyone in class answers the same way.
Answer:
{"hour": 6, "minute": 29}
